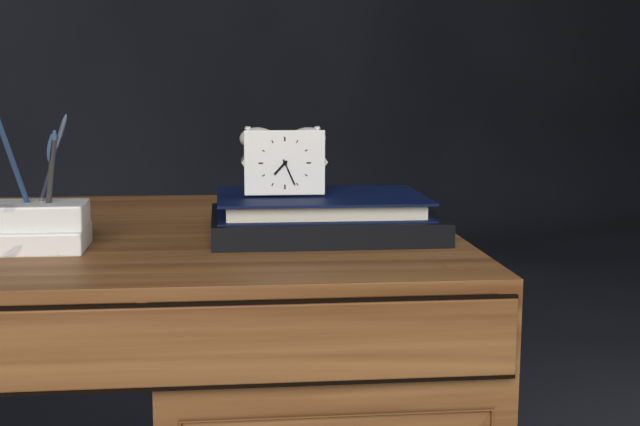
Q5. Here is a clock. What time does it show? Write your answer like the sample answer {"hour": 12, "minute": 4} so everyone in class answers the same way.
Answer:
{"hour": 7, "minute": 26}
